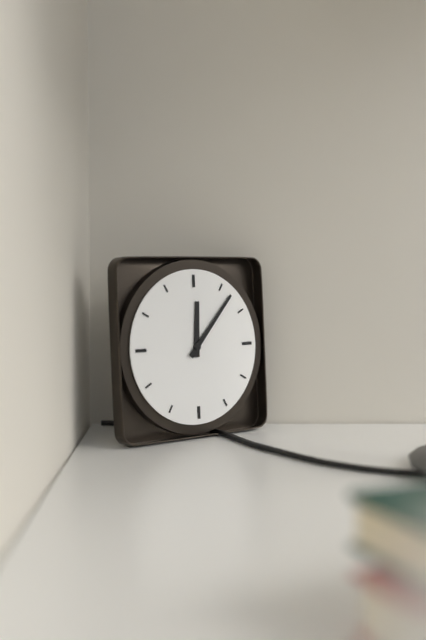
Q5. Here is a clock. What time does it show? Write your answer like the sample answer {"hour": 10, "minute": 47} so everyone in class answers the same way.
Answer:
{"hour": 12, "minute": 7}
